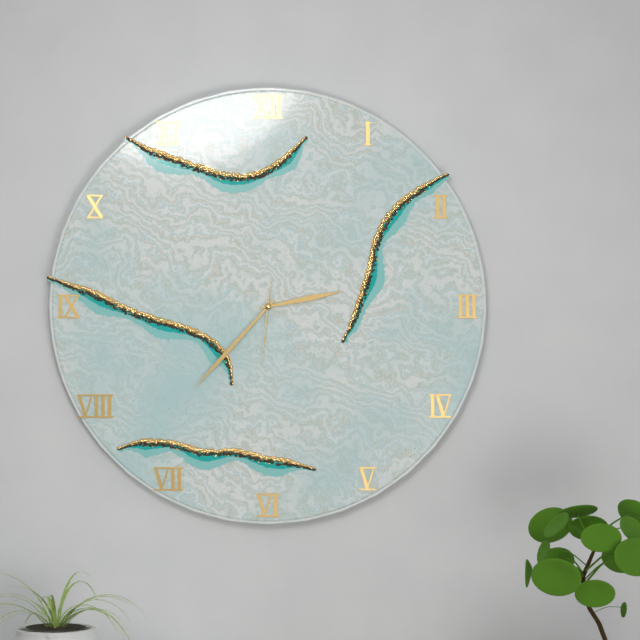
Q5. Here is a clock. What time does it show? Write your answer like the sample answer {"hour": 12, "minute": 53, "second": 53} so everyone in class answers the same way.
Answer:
{"hour": 2, "minute": 37, "second": 31}
